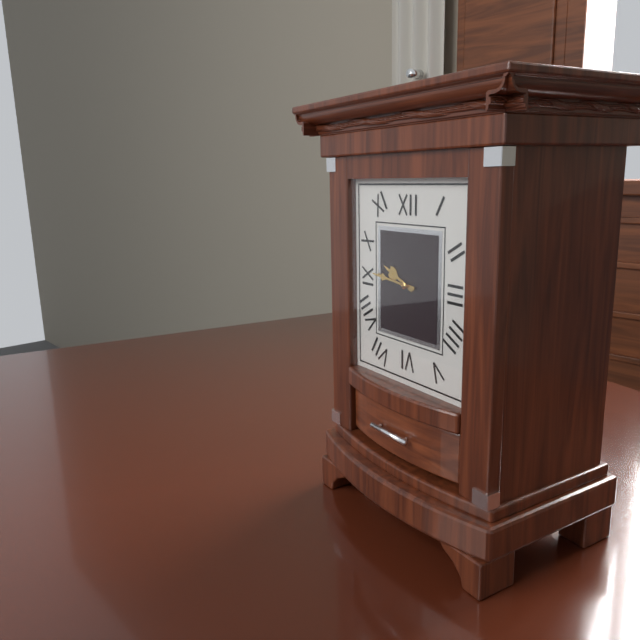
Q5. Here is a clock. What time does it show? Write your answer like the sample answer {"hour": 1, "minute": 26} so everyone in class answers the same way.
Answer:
{"hour": 9, "minute": 46}
